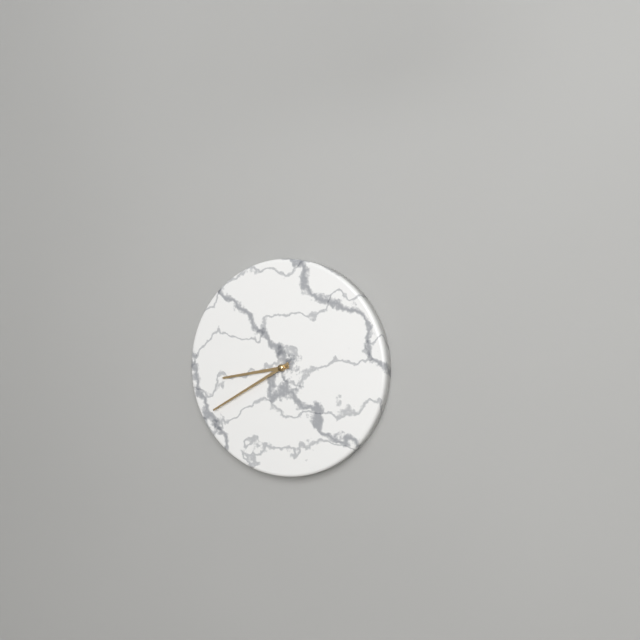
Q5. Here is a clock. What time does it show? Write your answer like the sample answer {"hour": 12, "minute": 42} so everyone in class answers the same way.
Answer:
{"hour": 8, "minute": 40}
